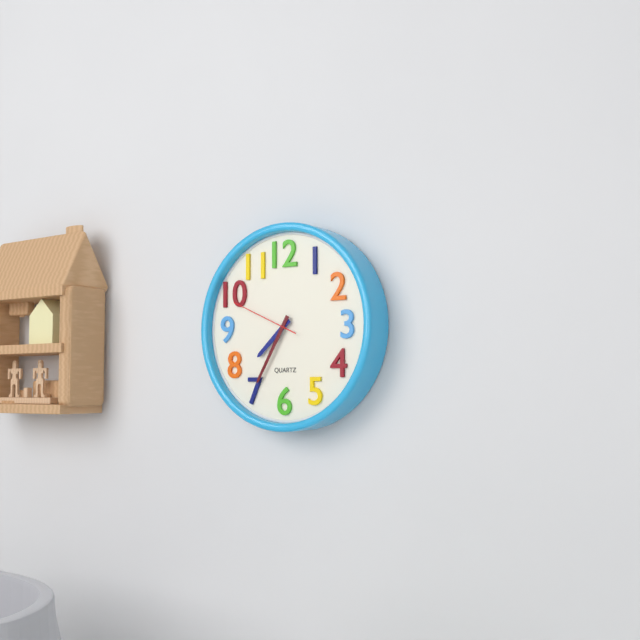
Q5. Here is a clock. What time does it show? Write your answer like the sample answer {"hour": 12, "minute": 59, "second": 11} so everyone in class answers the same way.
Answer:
{"hour": 7, "minute": 35, "second": 49}
